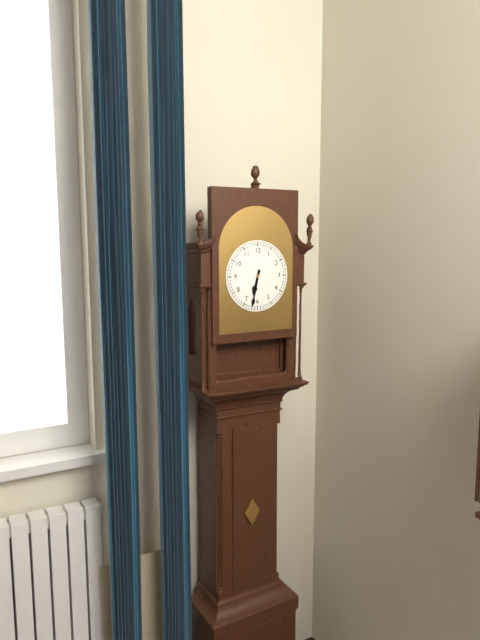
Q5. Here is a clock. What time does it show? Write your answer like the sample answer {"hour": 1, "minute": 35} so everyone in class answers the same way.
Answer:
{"hour": 6, "minute": 32}
